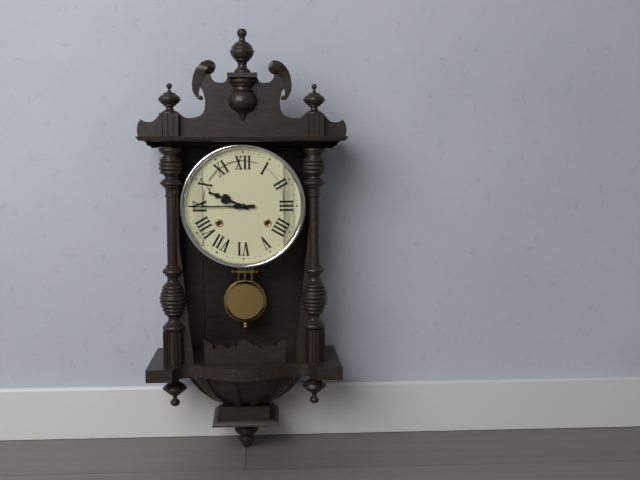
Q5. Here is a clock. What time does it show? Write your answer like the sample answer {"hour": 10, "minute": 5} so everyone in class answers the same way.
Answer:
{"hour": 9, "minute": 45}
